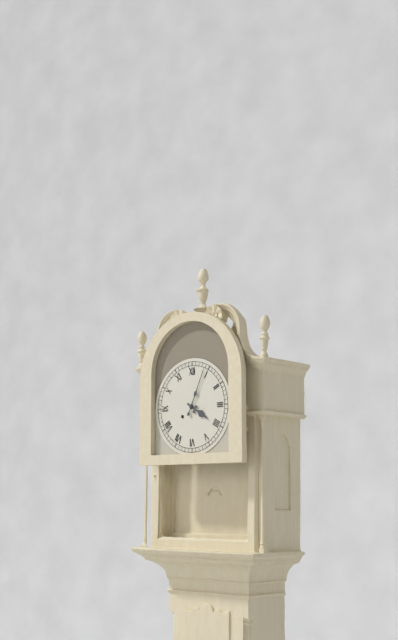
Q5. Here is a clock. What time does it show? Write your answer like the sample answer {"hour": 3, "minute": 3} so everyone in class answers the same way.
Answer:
{"hour": 4, "minute": 4}
